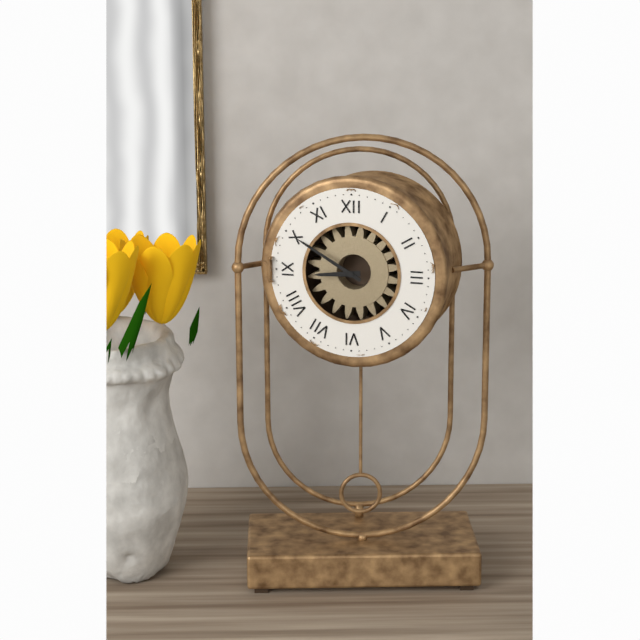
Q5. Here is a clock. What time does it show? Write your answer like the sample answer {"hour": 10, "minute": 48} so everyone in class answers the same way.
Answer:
{"hour": 8, "minute": 50}
